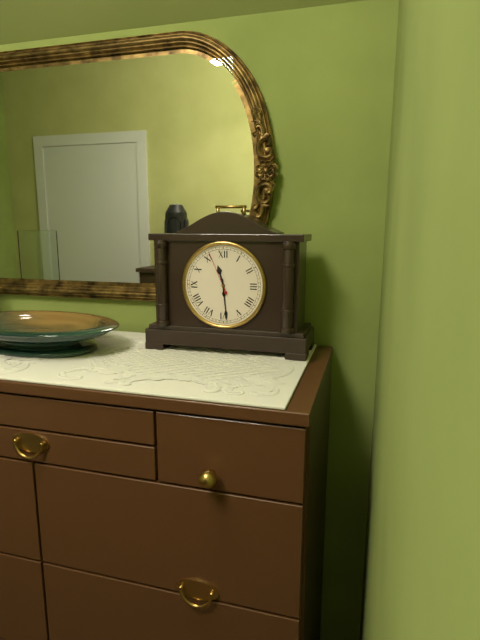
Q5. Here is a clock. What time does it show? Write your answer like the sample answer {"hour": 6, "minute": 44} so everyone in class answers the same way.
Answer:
{"hour": 11, "minute": 29}
